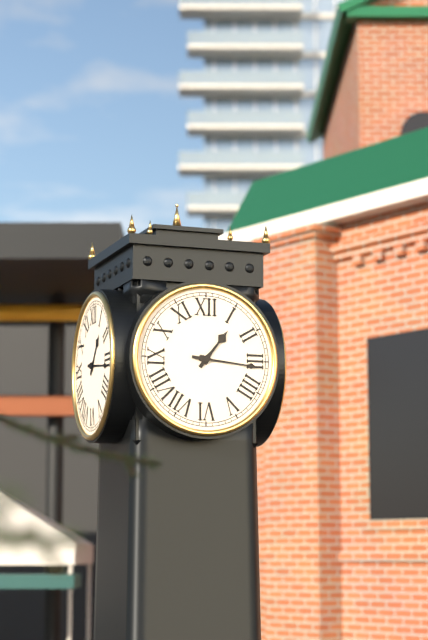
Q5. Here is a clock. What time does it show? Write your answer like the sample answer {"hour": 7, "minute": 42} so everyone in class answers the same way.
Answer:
{"hour": 1, "minute": 16}
